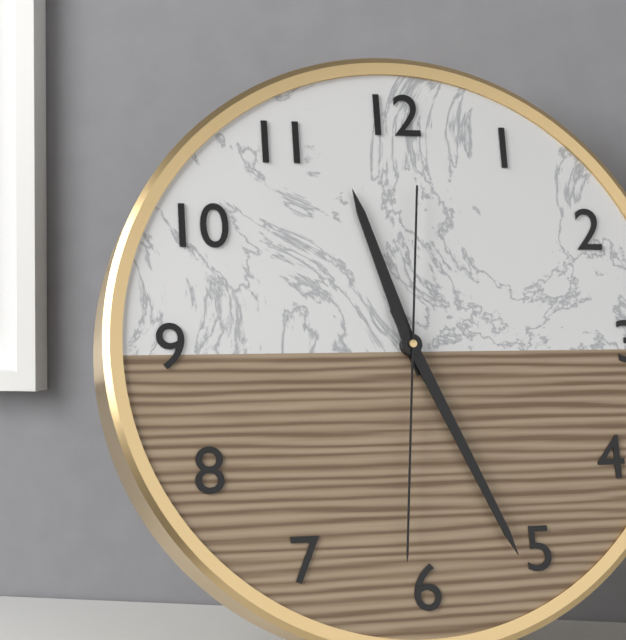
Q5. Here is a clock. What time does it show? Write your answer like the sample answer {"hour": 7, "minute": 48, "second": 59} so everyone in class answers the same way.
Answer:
{"hour": 11, "minute": 26, "second": 31}
